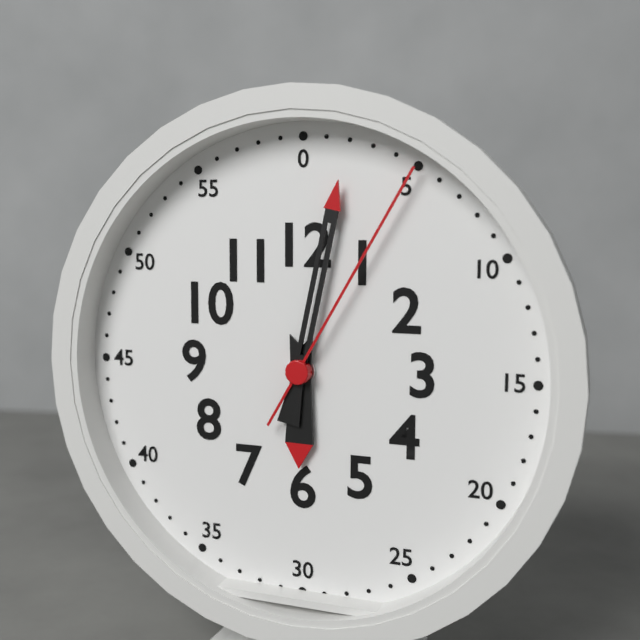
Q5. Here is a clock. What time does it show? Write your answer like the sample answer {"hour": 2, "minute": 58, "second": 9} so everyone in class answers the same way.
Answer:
{"hour": 6, "minute": 2, "second": 5}
